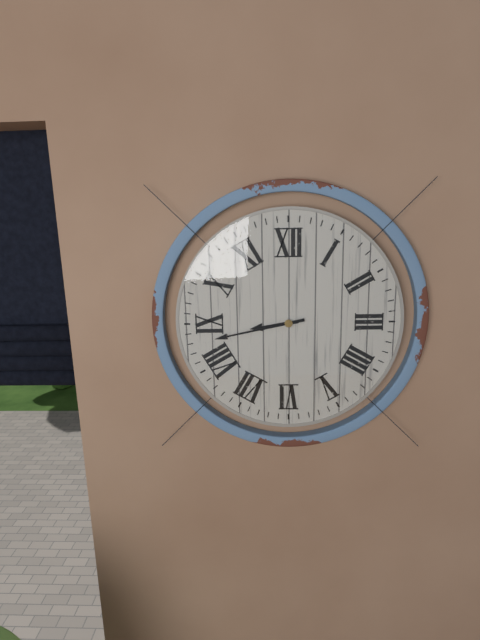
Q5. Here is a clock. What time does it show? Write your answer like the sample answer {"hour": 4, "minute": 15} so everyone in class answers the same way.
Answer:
{"hour": 8, "minute": 43}
